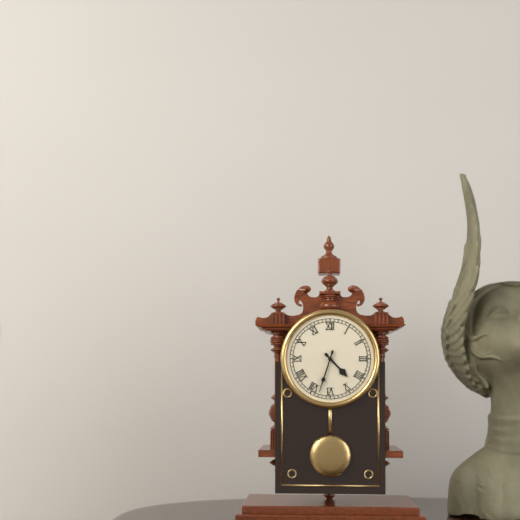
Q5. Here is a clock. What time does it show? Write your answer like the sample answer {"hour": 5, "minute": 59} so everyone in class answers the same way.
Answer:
{"hour": 4, "minute": 33}
